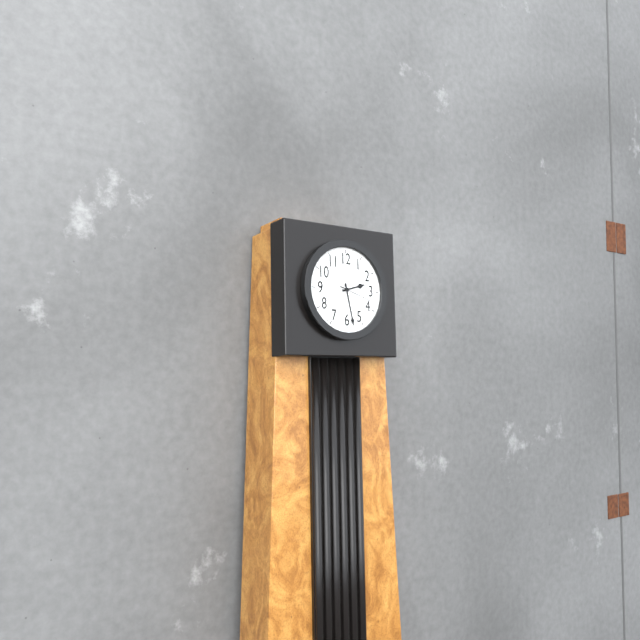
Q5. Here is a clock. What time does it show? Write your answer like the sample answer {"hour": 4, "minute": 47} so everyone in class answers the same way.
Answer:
{"hour": 2, "minute": 28}
